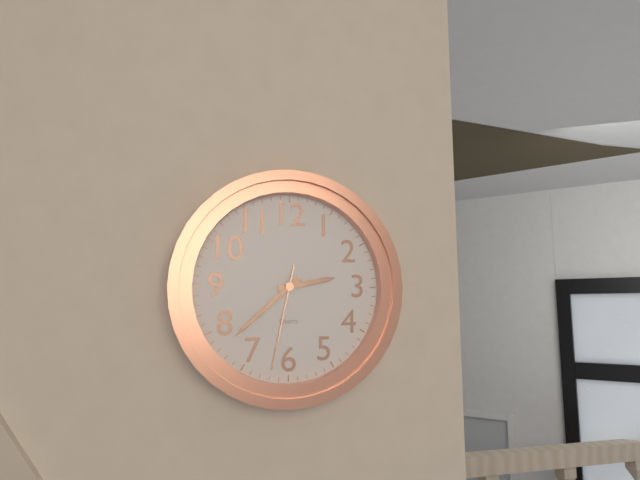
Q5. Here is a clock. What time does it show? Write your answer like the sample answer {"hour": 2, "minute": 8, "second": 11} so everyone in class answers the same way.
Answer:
{"hour": 2, "minute": 38, "second": 32}
